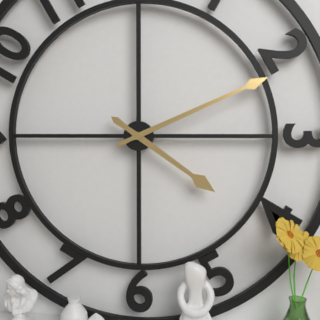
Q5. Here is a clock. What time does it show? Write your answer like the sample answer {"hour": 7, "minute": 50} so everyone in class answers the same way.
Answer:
{"hour": 4, "minute": 11}
